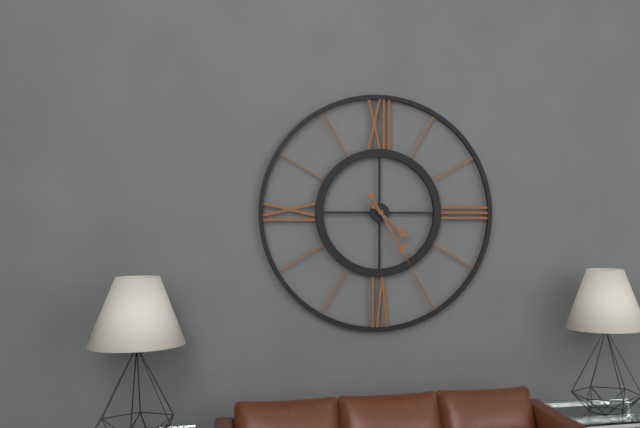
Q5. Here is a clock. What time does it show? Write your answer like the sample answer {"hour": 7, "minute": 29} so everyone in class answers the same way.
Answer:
{"hour": 4, "minute": 25}
